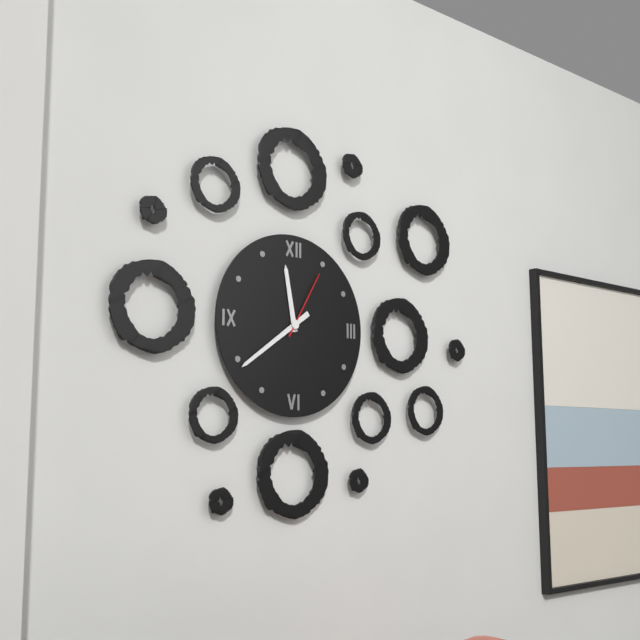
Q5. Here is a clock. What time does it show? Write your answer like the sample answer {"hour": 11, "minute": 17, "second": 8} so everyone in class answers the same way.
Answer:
{"hour": 11, "minute": 39, "second": 5}
